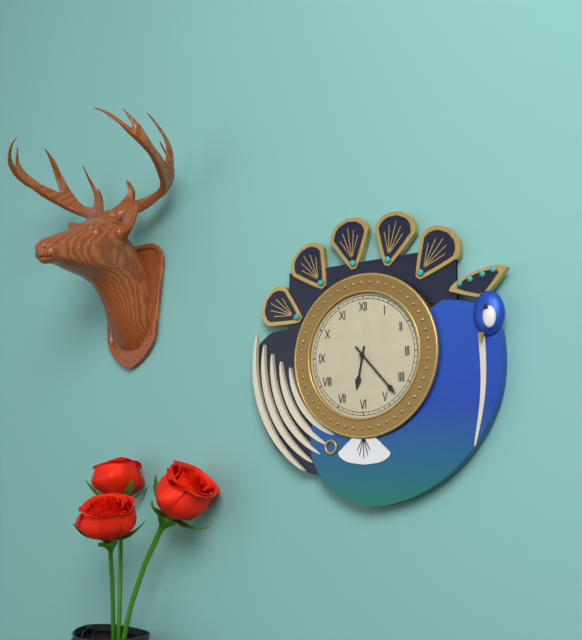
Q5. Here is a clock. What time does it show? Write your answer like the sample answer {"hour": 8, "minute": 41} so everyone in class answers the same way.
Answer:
{"hour": 6, "minute": 23}
